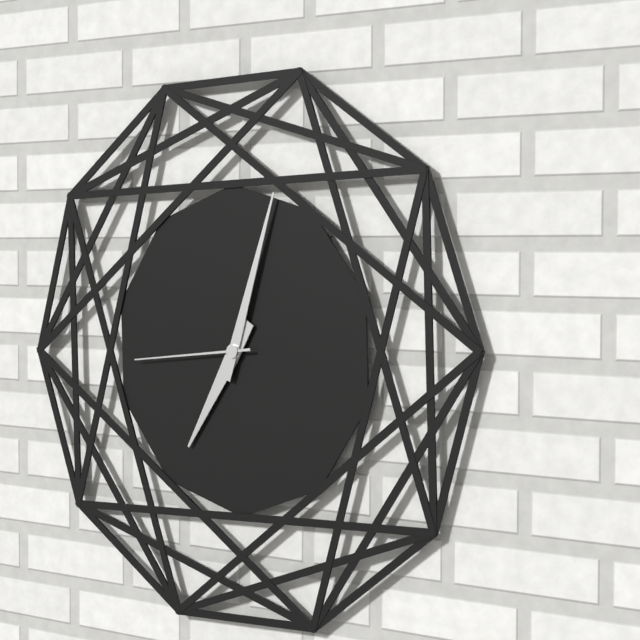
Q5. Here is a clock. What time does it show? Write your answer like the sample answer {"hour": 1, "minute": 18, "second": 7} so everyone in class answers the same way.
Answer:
{"hour": 7, "minute": 3, "second": 44}
